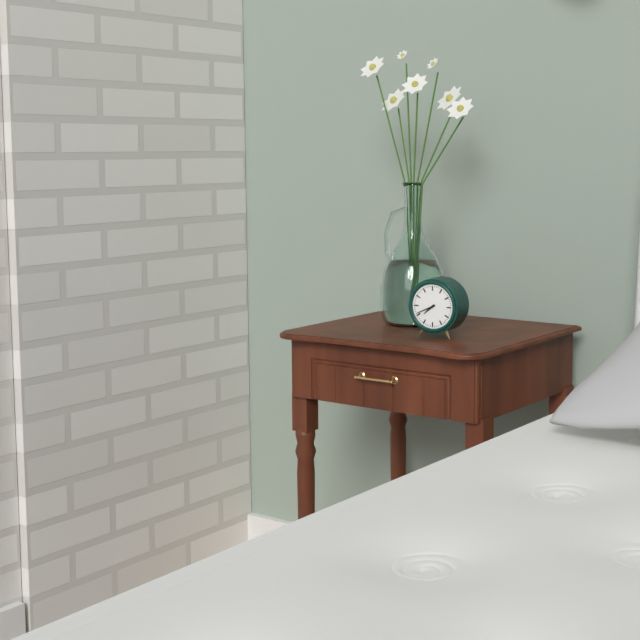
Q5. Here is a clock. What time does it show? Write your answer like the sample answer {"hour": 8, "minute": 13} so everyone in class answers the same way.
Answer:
{"hour": 7, "minute": 41}
